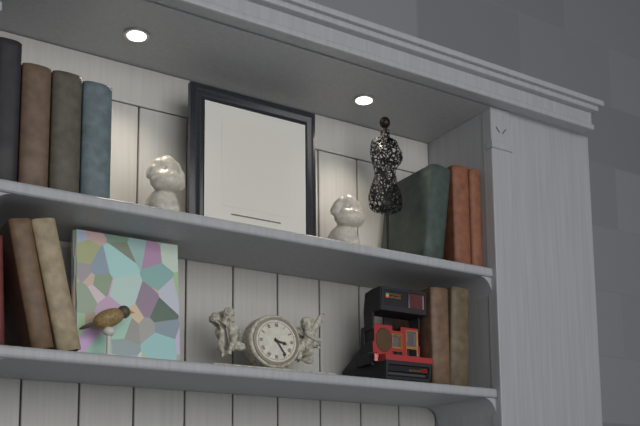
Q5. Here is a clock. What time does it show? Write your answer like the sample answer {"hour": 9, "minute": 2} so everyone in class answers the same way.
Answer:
{"hour": 3, "minute": 24}
